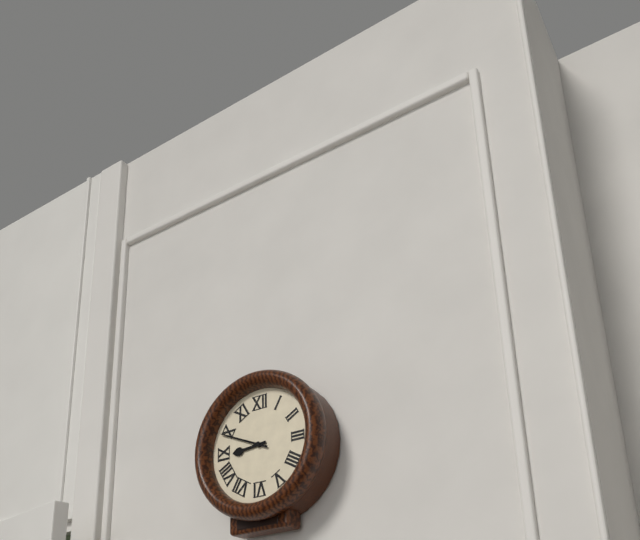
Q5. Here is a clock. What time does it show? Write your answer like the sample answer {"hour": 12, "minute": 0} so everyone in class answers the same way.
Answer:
{"hour": 8, "minute": 49}
